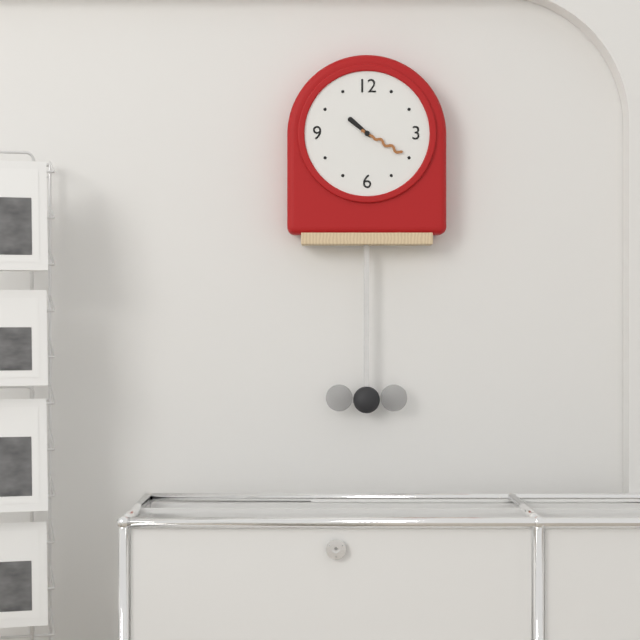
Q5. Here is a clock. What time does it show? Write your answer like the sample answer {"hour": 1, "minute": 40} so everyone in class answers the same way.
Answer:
{"hour": 10, "minute": 20}
